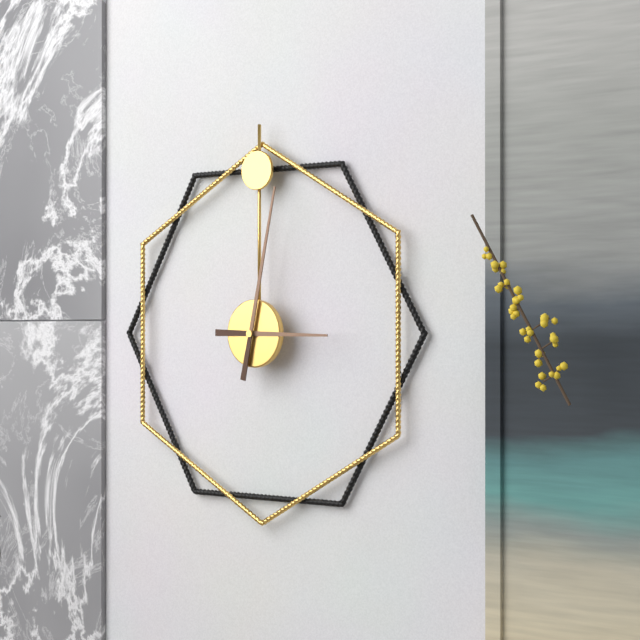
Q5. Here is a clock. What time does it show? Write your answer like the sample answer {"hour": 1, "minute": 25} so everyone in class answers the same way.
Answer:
{"hour": 3, "minute": 2}
